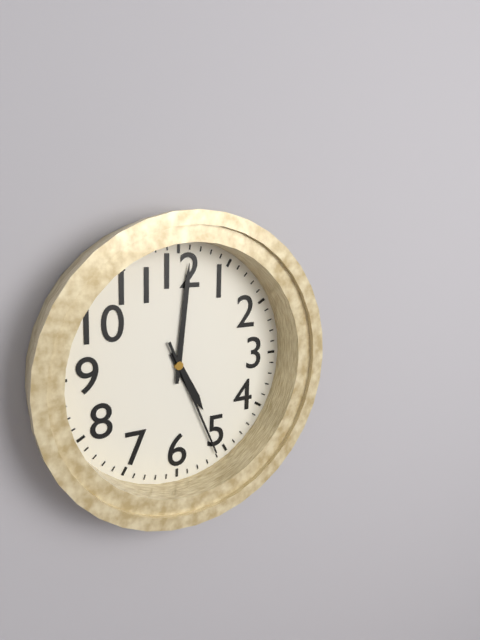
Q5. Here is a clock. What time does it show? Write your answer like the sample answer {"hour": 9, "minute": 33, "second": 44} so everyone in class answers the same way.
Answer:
{"hour": 5, "minute": 1, "second": 26}
